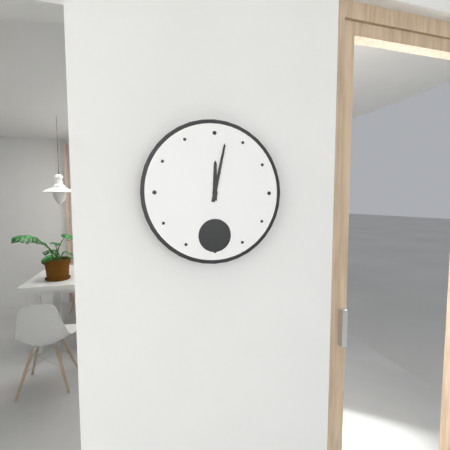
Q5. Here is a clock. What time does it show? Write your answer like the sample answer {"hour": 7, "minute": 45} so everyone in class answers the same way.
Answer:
{"hour": 12, "minute": 2}
